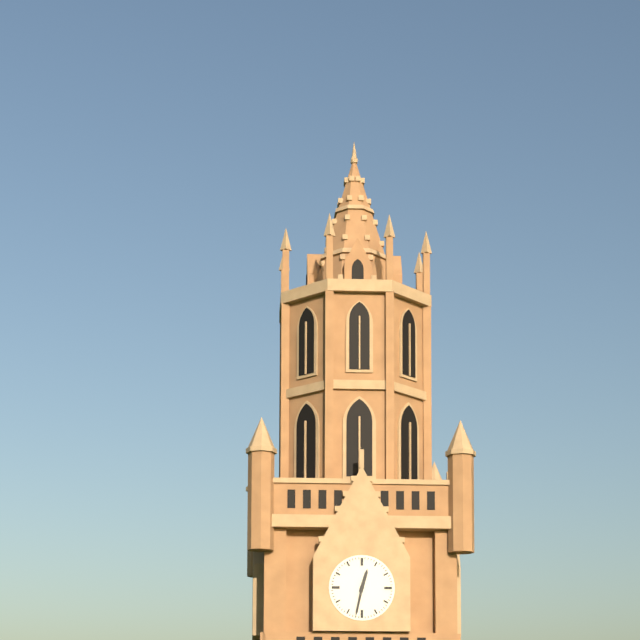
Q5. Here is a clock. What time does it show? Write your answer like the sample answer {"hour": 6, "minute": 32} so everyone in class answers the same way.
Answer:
{"hour": 12, "minute": 32}
